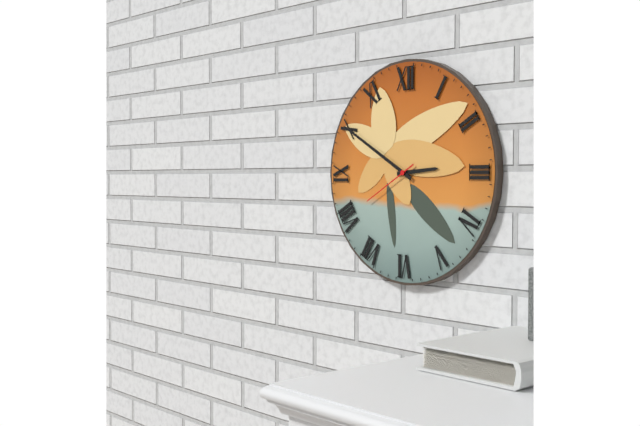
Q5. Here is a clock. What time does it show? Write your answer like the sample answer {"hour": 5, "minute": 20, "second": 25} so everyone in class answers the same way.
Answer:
{"hour": 2, "minute": 50, "second": 40}
